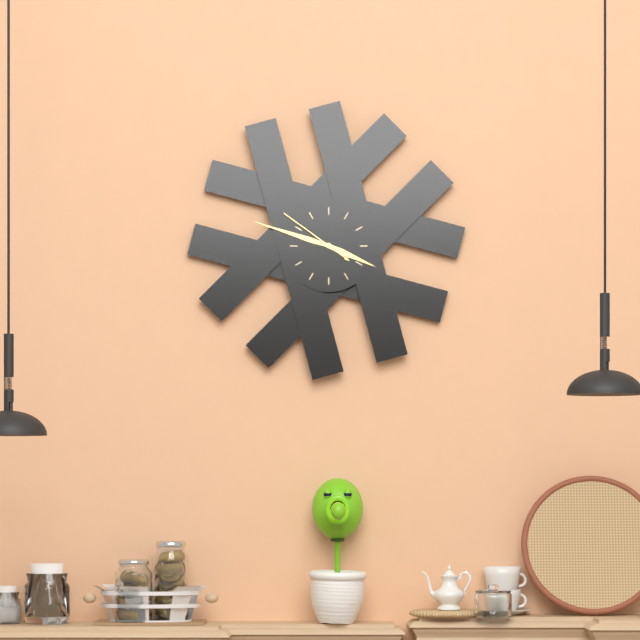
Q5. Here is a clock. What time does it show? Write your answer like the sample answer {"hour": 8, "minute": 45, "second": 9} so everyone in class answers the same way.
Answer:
{"hour": 3, "minute": 48, "second": 51}
